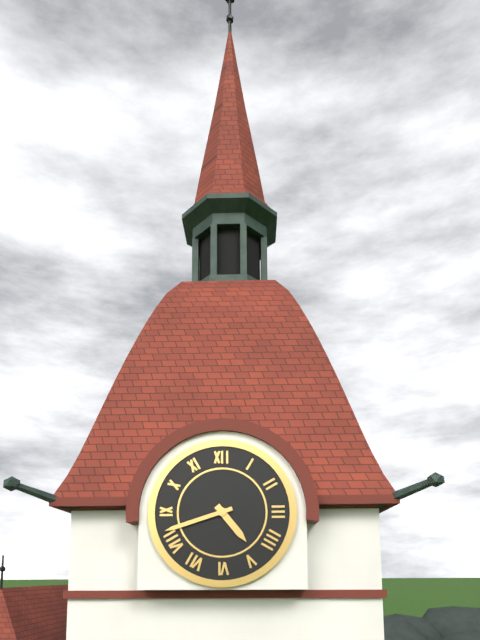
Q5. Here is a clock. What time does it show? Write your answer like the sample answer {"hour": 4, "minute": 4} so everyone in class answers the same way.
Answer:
{"hour": 4, "minute": 42}
